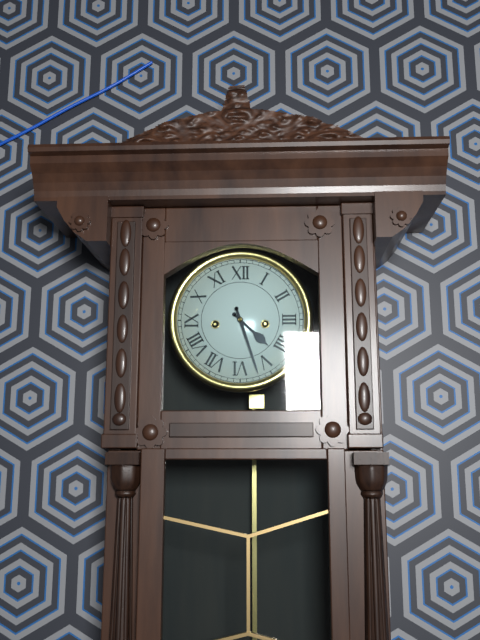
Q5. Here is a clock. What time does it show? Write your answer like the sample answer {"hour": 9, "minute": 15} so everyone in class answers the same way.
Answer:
{"hour": 4, "minute": 27}
